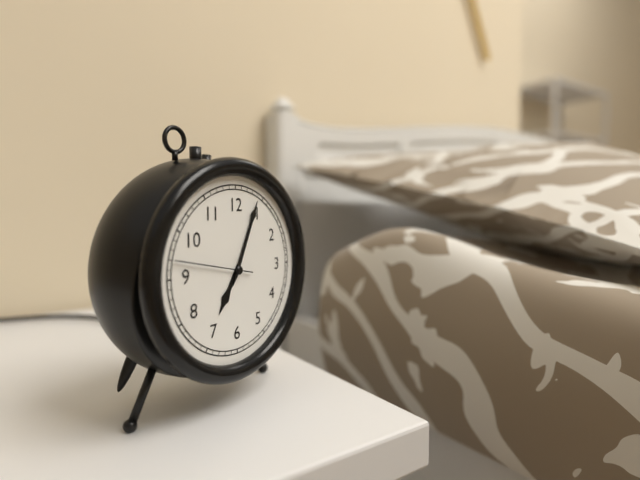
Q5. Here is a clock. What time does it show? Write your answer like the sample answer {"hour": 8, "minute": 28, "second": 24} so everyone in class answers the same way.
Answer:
{"hour": 7, "minute": 4, "second": 47}
